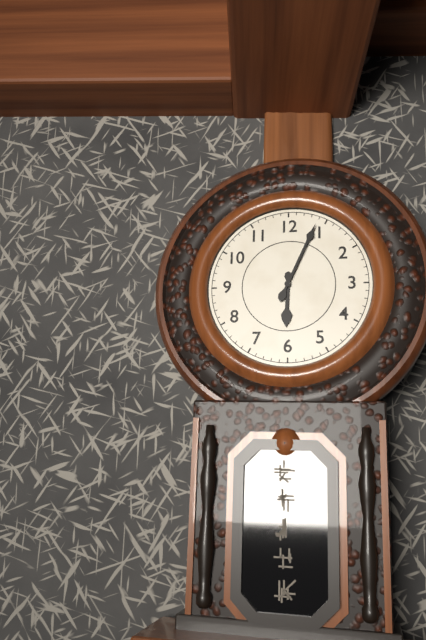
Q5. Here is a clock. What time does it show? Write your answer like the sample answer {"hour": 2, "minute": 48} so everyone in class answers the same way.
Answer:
{"hour": 6, "minute": 4}
